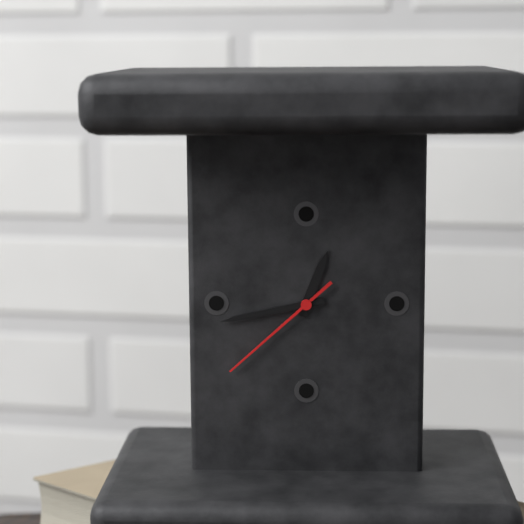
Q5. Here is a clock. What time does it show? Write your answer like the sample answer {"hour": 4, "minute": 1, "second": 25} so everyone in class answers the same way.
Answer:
{"hour": 12, "minute": 43, "second": 38}
